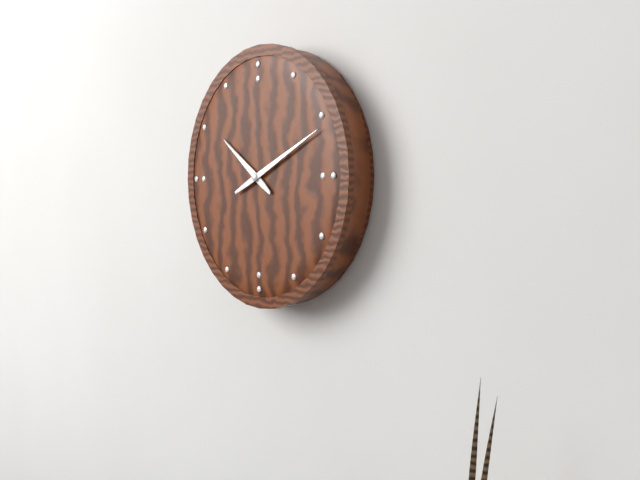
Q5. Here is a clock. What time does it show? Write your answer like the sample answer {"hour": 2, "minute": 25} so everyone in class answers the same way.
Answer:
{"hour": 10, "minute": 11}
